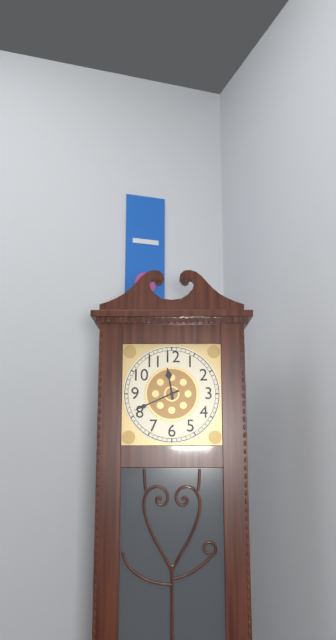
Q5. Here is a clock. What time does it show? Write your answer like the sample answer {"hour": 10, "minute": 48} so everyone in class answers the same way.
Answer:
{"hour": 11, "minute": 41}
